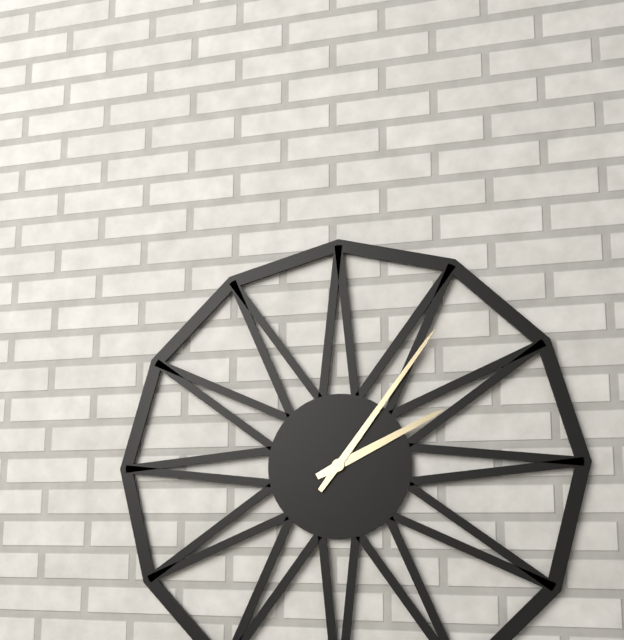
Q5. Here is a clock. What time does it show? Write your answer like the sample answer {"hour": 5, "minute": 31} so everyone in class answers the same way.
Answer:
{"hour": 2, "minute": 6}
